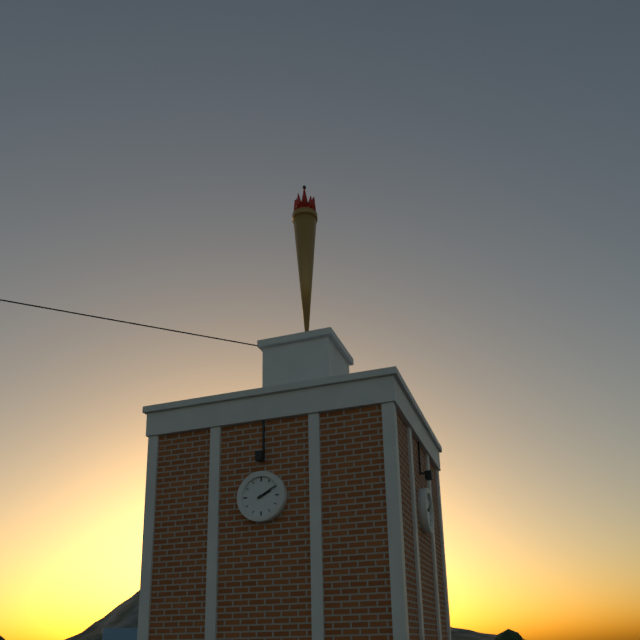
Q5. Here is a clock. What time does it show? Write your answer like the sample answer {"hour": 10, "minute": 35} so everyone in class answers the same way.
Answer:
{"hour": 2, "minute": 10}
